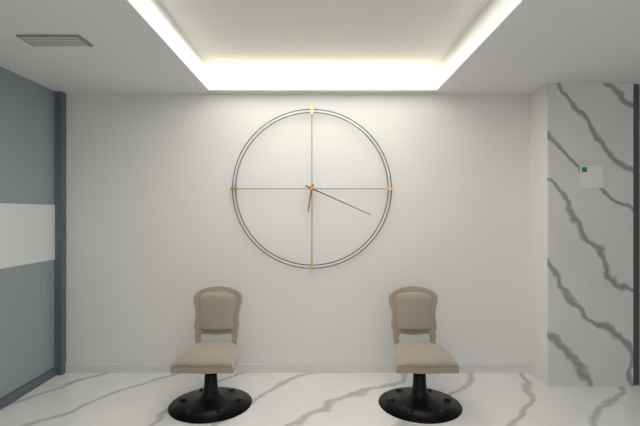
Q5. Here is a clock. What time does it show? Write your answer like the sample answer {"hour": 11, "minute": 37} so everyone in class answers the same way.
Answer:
{"hour": 6, "minute": 19}
